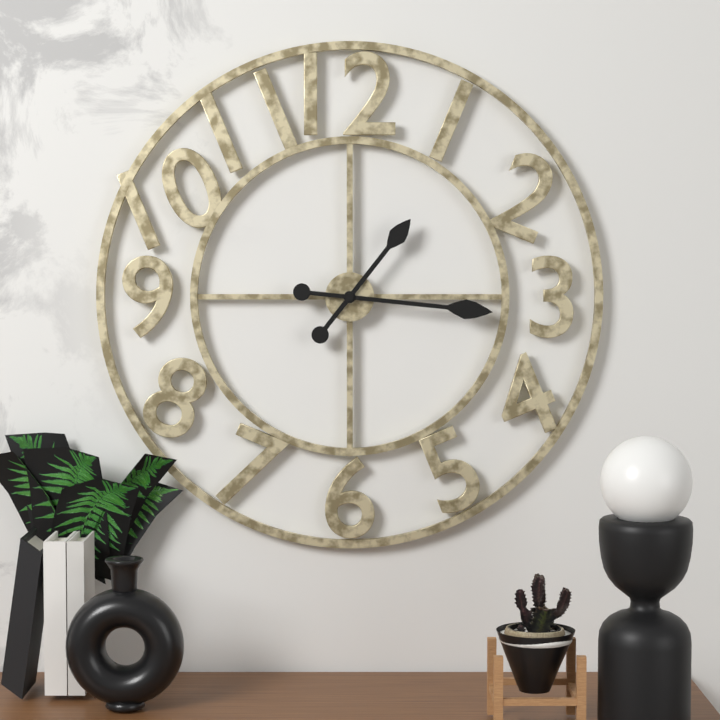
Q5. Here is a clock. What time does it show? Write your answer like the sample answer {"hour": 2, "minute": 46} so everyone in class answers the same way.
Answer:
{"hour": 1, "minute": 16}
